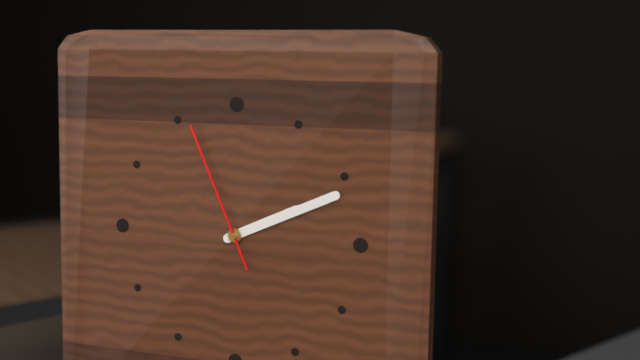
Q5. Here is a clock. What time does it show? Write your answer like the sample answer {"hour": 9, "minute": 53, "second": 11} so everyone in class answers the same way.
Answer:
{"hour": 2, "minute": 11, "second": 56}
